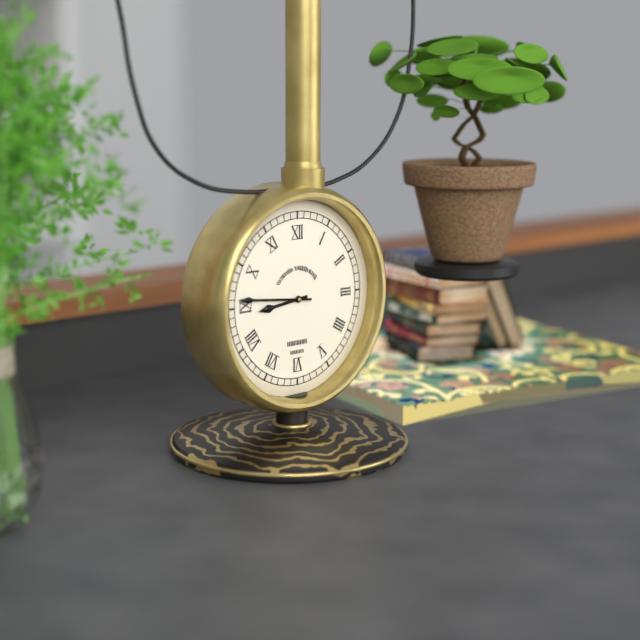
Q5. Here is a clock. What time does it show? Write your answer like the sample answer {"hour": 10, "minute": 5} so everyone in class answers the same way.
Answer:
{"hour": 8, "minute": 46}
